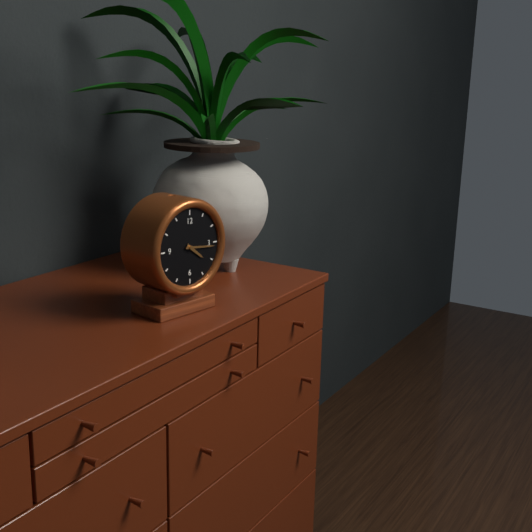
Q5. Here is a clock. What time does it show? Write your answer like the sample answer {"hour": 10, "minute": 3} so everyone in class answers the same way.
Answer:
{"hour": 4, "minute": 16}
